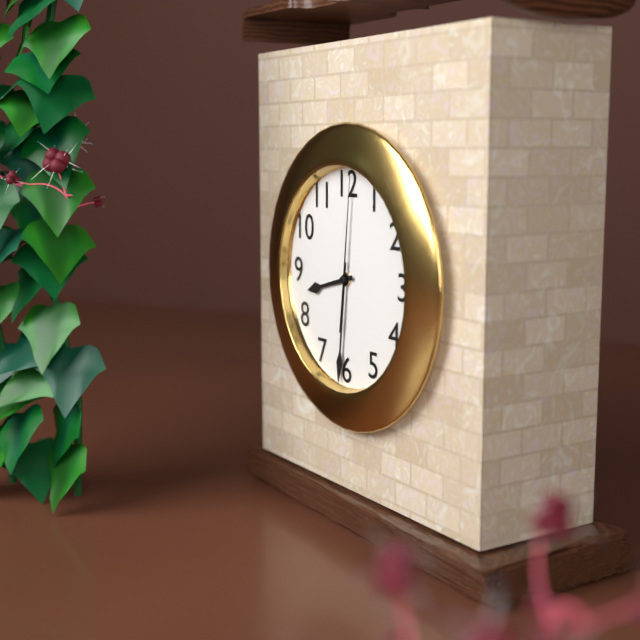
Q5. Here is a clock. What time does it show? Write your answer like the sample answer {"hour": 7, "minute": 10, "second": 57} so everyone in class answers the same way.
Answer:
{"hour": 8, "minute": 31, "second": 1}
